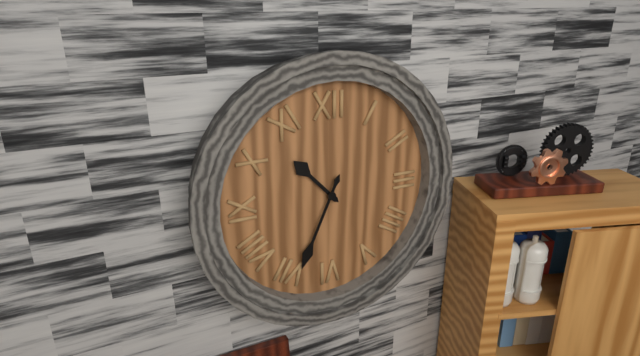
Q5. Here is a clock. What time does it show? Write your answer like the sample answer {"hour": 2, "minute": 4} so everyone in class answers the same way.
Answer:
{"hour": 10, "minute": 34}
